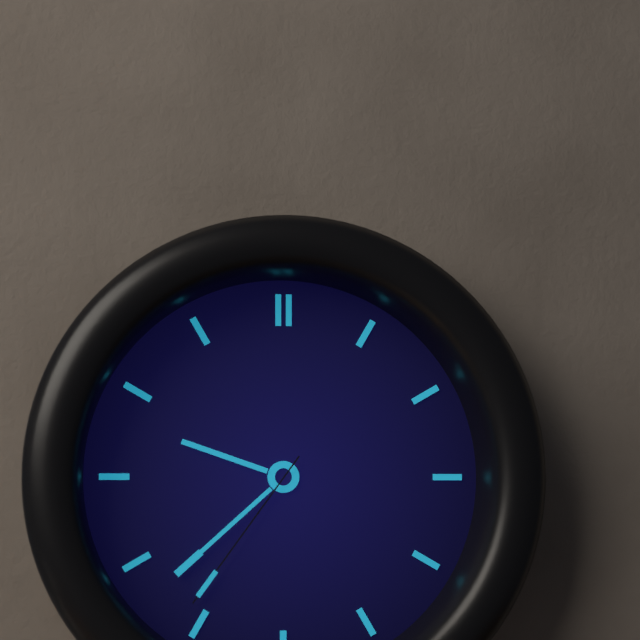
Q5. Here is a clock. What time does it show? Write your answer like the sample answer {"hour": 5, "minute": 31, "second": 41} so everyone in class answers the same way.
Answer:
{"hour": 9, "minute": 38, "second": 36}
